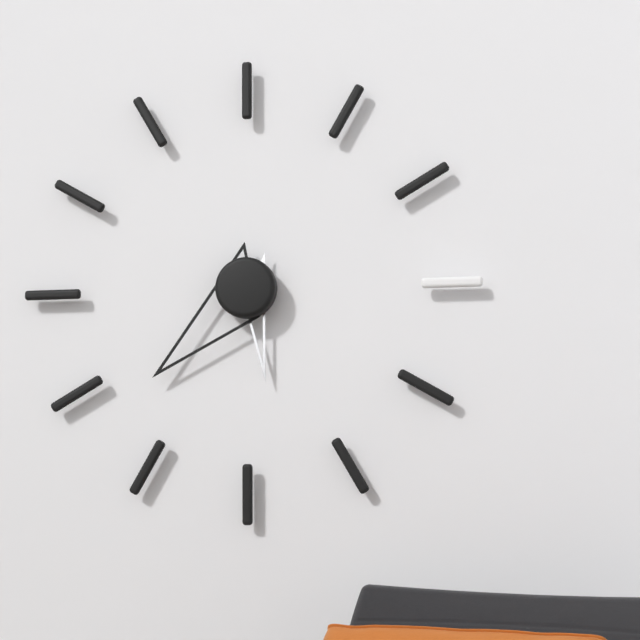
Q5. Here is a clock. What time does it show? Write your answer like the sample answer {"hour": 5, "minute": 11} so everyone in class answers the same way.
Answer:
{"hour": 5, "minute": 38}
